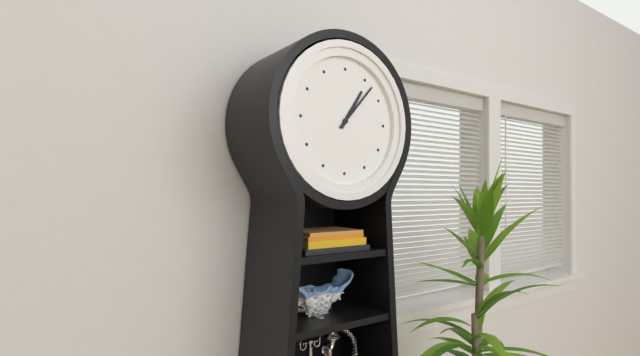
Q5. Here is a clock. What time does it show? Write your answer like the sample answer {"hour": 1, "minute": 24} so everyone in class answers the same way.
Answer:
{"hour": 1, "minute": 7}
